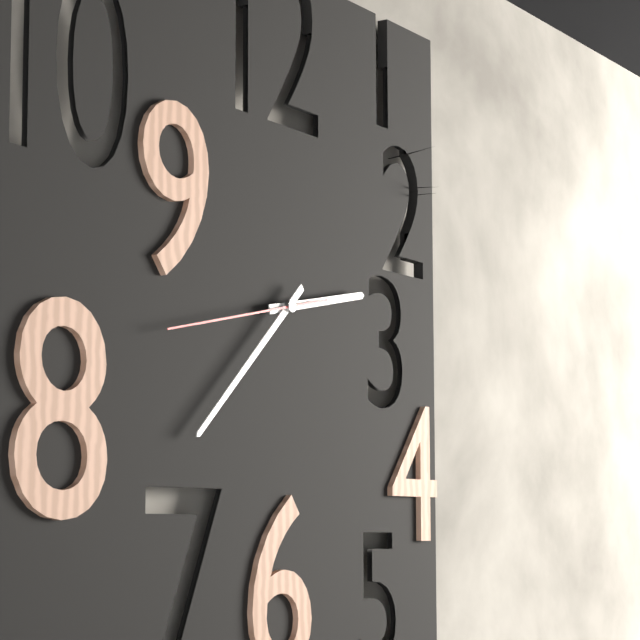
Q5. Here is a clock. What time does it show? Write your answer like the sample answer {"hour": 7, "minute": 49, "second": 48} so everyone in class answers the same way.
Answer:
{"hour": 2, "minute": 38, "second": 43}
